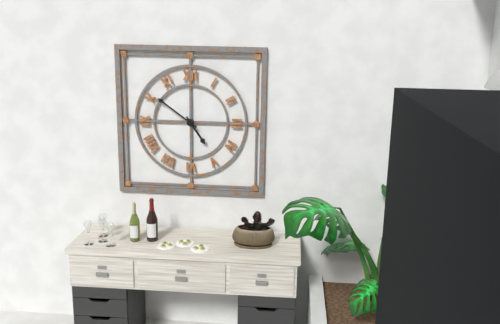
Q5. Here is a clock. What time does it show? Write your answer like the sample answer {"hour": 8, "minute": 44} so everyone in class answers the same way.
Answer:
{"hour": 4, "minute": 51}
